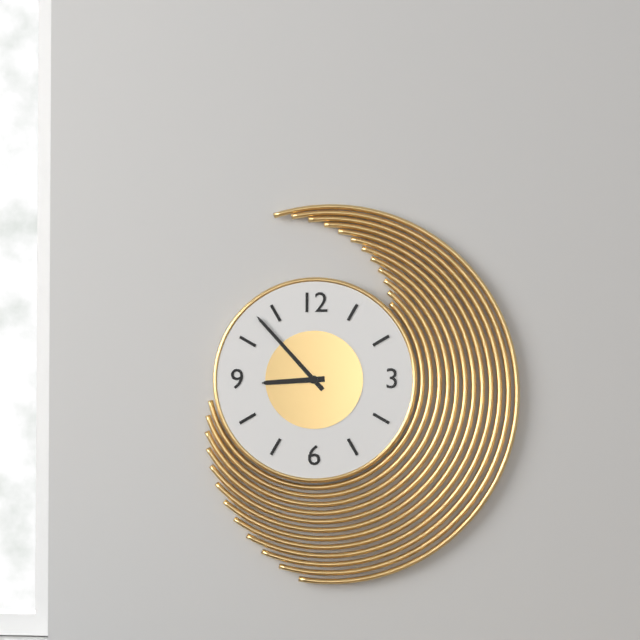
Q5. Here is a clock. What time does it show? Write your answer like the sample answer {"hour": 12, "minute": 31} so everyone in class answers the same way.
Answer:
{"hour": 8, "minute": 53}
